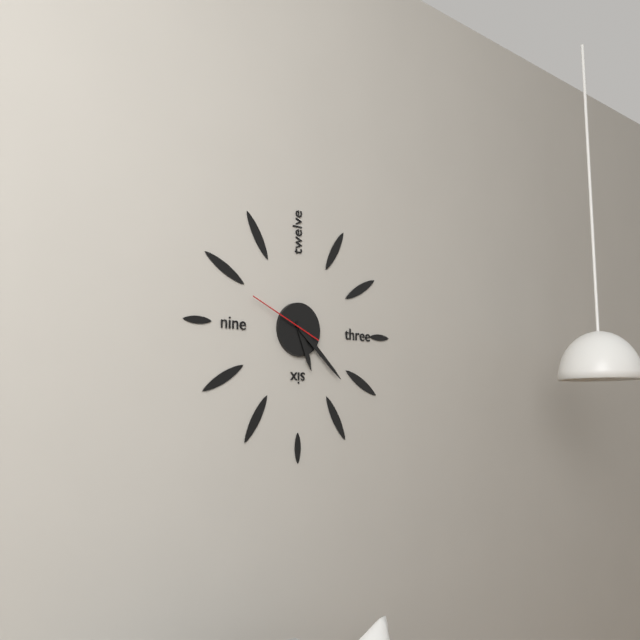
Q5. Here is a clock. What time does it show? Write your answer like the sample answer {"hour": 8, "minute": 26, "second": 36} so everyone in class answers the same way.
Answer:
{"hour": 5, "minute": 22, "second": 49}
